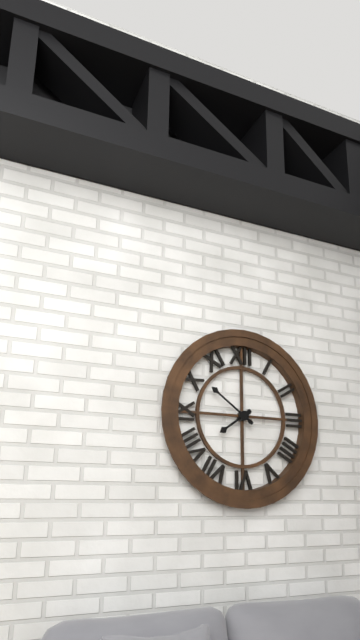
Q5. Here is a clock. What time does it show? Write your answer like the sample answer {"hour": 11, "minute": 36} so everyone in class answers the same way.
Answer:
{"hour": 7, "minute": 51}
